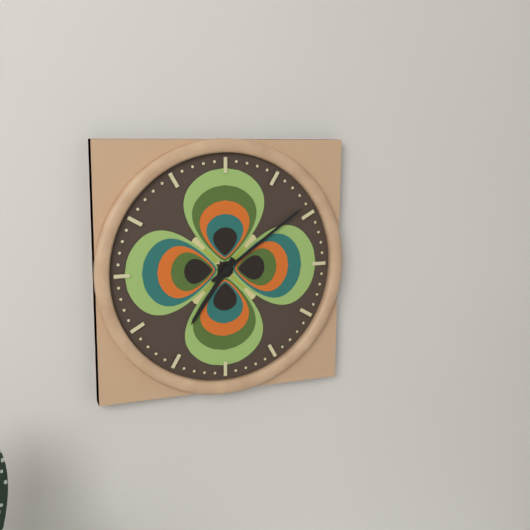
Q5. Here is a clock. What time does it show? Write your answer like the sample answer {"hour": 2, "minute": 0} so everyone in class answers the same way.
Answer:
{"hour": 7, "minute": 9}
